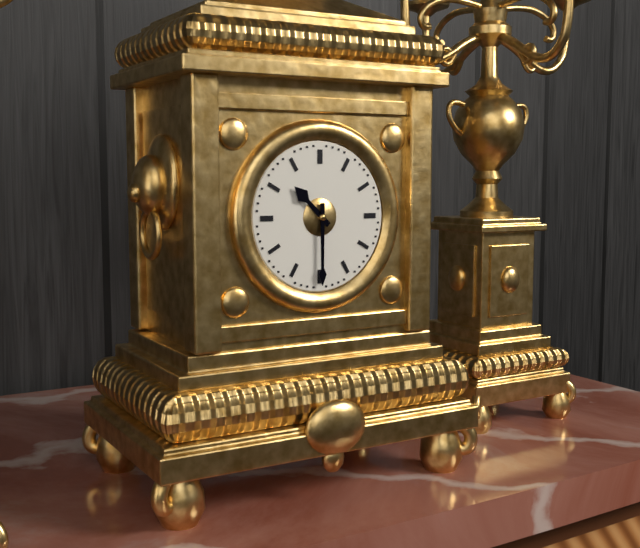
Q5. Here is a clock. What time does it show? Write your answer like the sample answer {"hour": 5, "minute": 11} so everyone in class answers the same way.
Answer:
{"hour": 10, "minute": 30}
